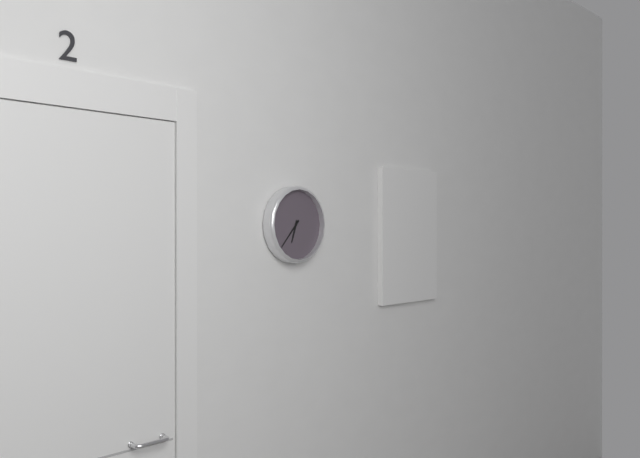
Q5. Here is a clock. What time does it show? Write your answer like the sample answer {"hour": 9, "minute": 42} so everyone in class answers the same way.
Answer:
{"hour": 6, "minute": 37}
